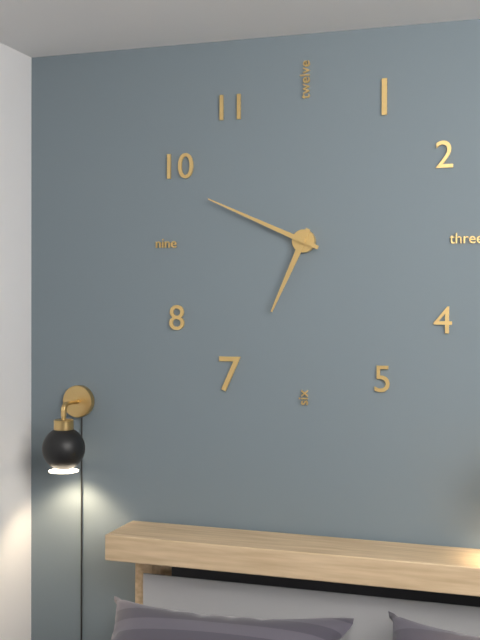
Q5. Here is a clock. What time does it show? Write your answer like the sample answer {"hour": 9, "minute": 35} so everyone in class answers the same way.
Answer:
{"hour": 6, "minute": 49}
